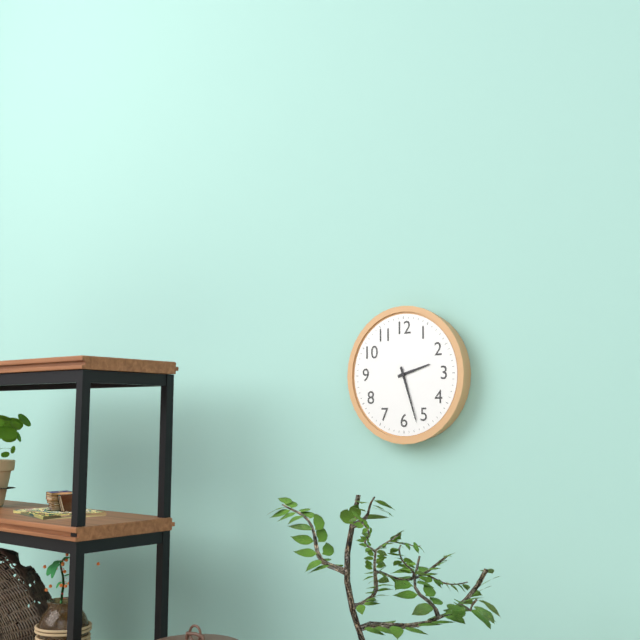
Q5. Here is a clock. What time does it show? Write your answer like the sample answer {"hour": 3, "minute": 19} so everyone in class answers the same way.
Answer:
{"hour": 2, "minute": 27}
